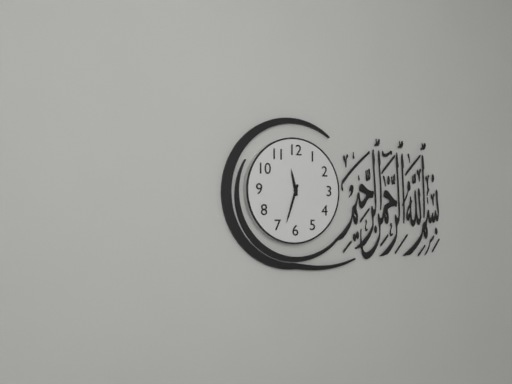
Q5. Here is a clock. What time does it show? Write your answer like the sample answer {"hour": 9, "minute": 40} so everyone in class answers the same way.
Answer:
{"hour": 11, "minute": 33}
